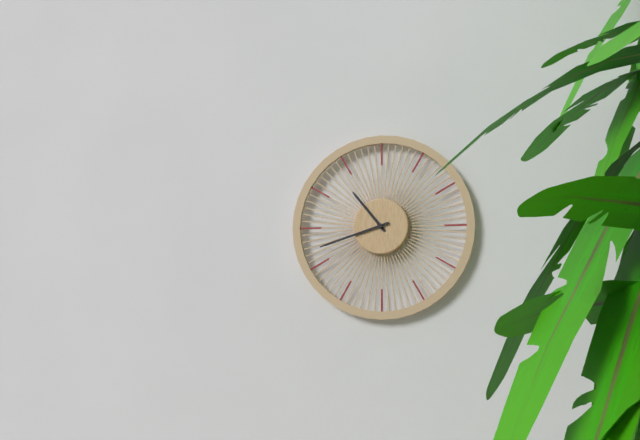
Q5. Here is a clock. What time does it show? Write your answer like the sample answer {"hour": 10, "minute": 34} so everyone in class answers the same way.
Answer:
{"hour": 10, "minute": 42}
